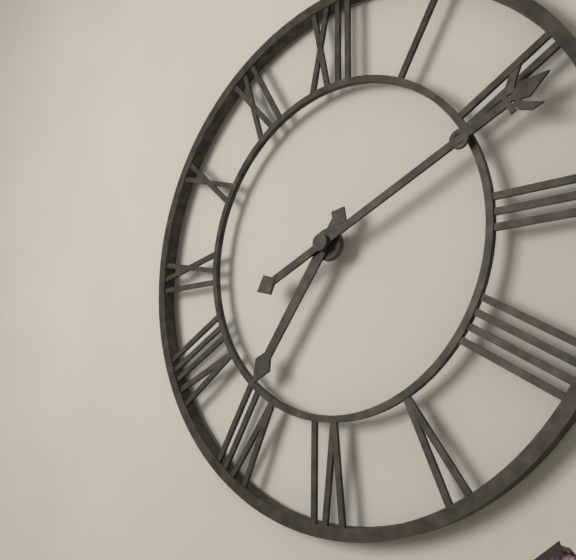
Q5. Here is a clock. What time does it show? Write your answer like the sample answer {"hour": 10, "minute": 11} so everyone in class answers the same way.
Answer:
{"hour": 7, "minute": 11}
